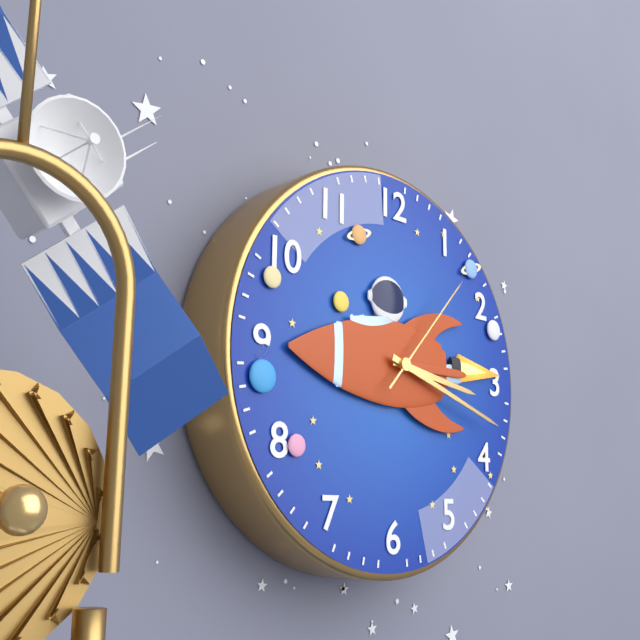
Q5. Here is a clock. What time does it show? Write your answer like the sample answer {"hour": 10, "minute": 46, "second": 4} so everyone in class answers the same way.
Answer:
{"hour": 3, "minute": 18, "second": 7}
